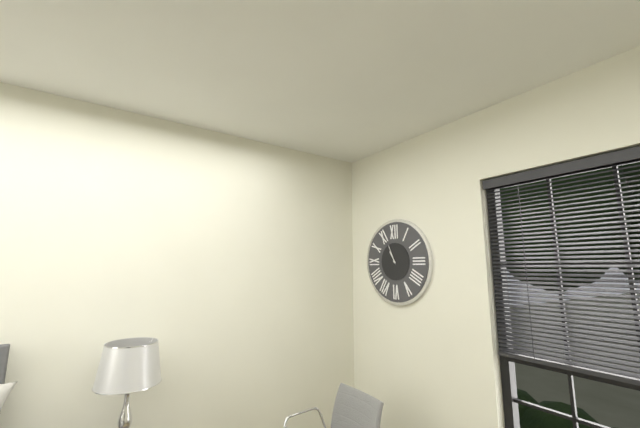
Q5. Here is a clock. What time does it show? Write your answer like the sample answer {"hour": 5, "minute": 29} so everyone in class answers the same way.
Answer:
{"hour": 10, "minute": 56}
